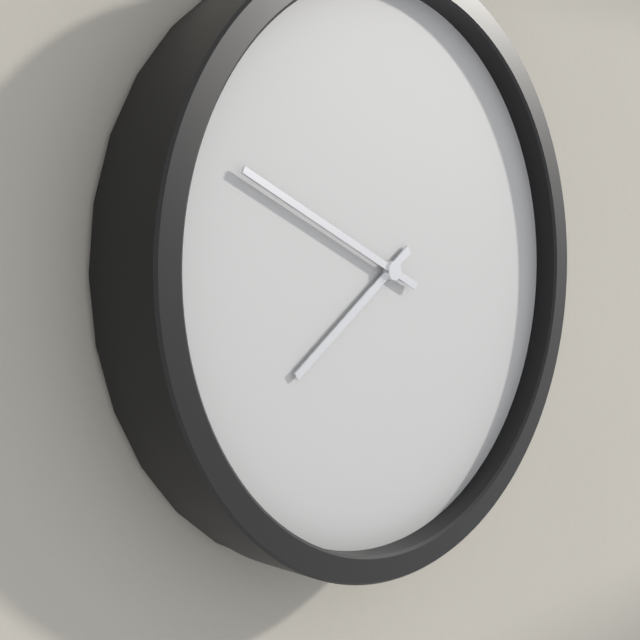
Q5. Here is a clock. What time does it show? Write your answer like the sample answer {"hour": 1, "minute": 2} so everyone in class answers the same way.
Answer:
{"hour": 7, "minute": 49}
